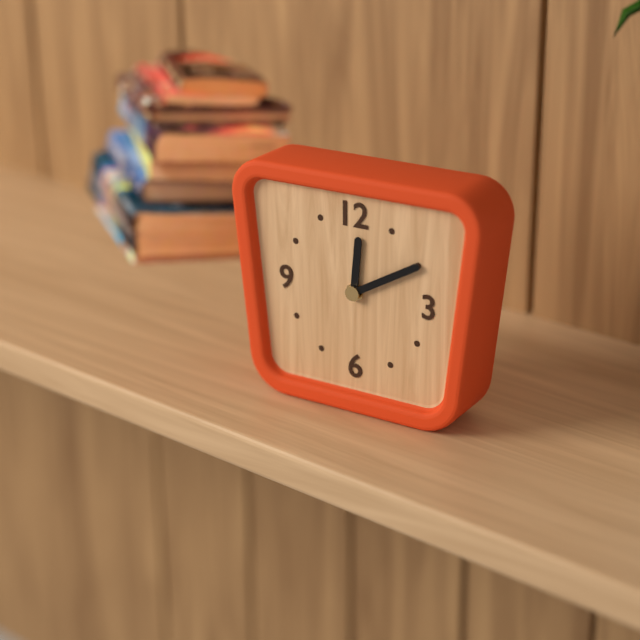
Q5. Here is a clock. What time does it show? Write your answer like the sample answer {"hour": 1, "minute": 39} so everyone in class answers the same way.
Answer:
{"hour": 12, "minute": 10}
